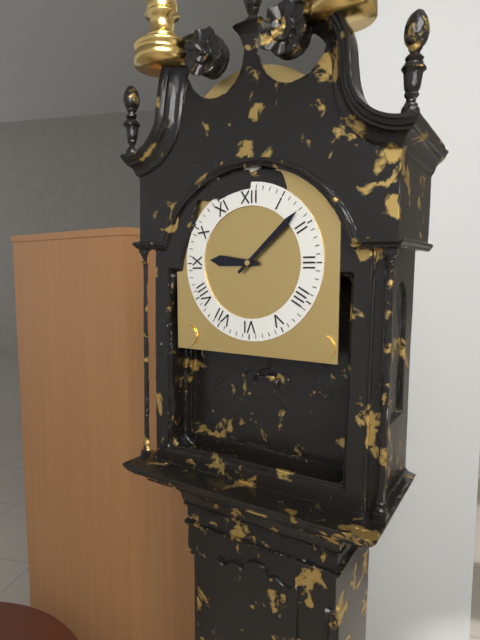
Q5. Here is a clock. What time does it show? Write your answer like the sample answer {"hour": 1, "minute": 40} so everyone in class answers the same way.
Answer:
{"hour": 9, "minute": 8}
